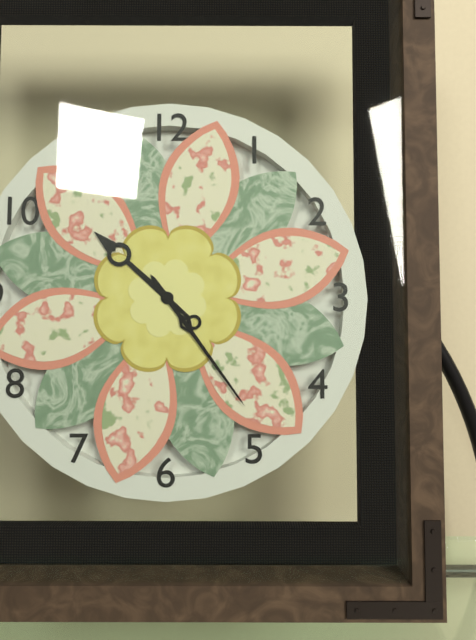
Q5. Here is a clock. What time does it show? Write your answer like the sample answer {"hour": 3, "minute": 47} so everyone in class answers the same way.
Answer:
{"hour": 10, "minute": 24}
